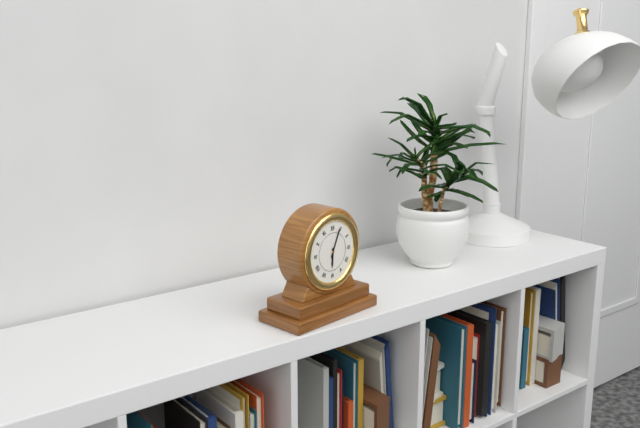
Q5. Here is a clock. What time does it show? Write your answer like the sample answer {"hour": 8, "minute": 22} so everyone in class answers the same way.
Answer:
{"hour": 6, "minute": 4}
